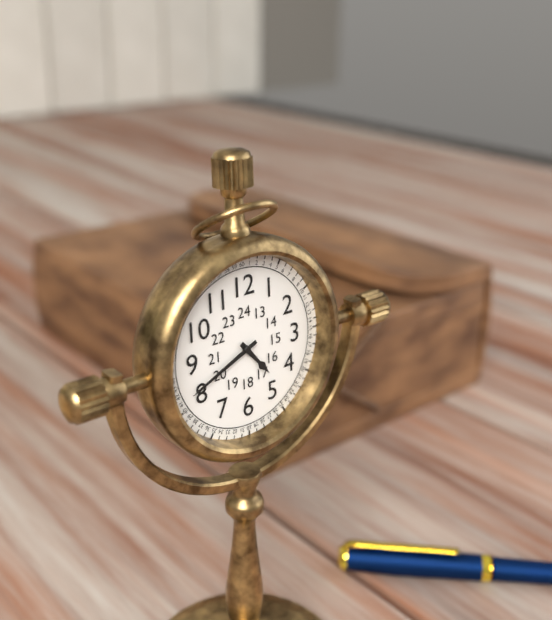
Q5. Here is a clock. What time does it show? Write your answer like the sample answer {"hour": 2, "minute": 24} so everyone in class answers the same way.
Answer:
{"hour": 4, "minute": 41}
